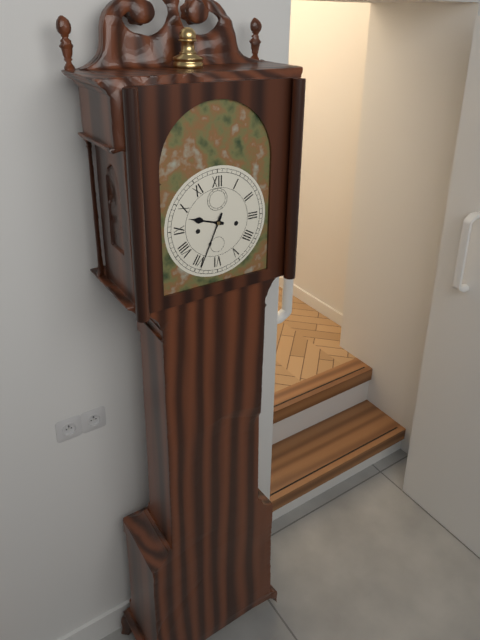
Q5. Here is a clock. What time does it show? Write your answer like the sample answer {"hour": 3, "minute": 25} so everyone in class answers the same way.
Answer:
{"hour": 9, "minute": 34}
